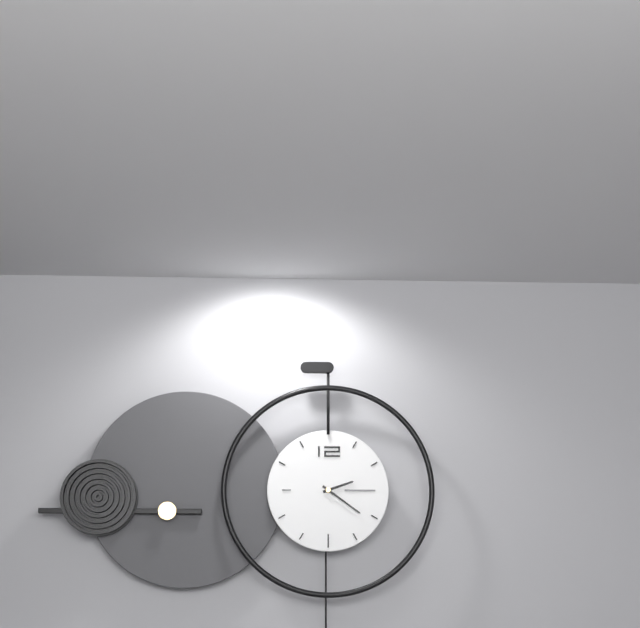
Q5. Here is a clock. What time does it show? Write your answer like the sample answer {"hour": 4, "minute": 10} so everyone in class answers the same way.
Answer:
{"hour": 2, "minute": 21}
